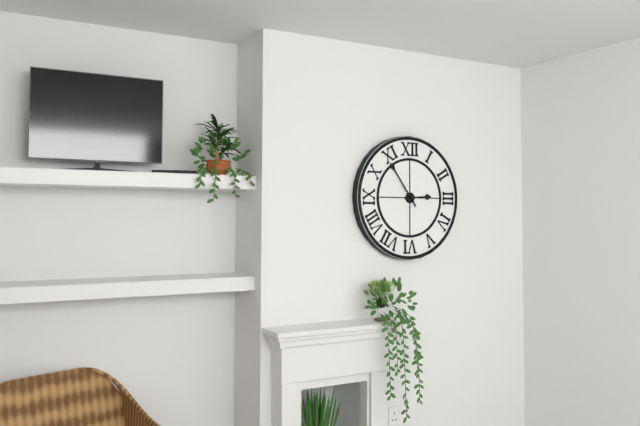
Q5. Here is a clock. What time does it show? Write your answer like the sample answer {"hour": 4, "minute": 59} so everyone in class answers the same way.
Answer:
{"hour": 2, "minute": 54}
